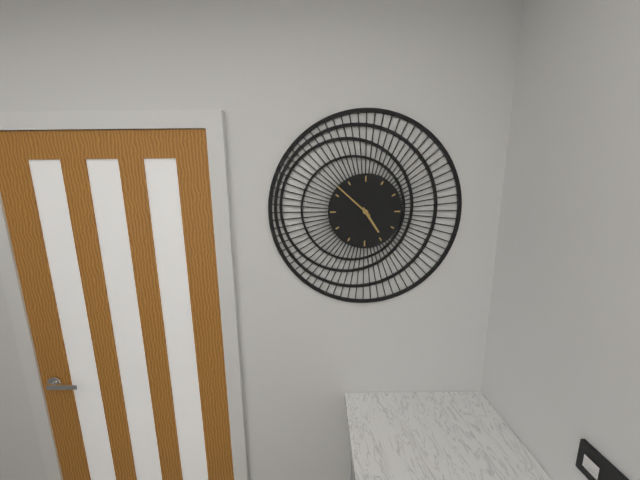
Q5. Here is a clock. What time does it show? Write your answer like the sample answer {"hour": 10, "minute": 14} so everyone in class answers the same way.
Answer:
{"hour": 4, "minute": 52}
